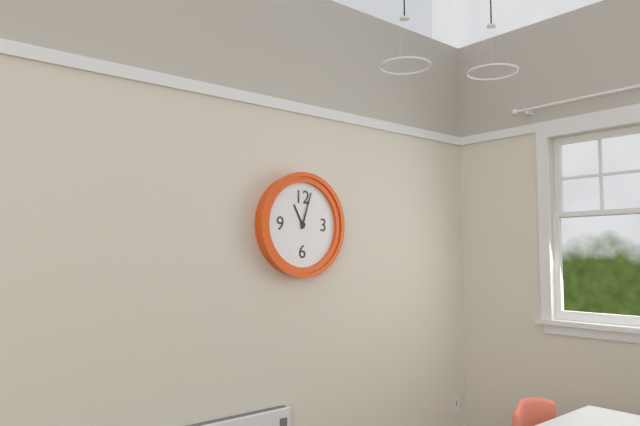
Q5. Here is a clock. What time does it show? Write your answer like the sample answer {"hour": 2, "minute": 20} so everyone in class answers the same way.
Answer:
{"hour": 11, "minute": 3}
